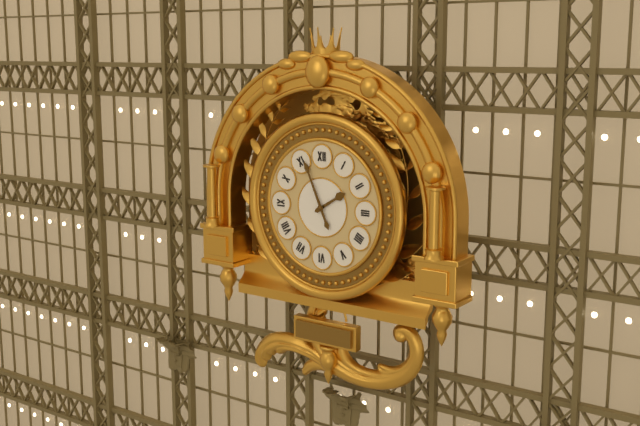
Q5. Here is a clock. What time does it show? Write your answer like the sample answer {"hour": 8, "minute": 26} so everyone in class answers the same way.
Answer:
{"hour": 1, "minute": 56}
